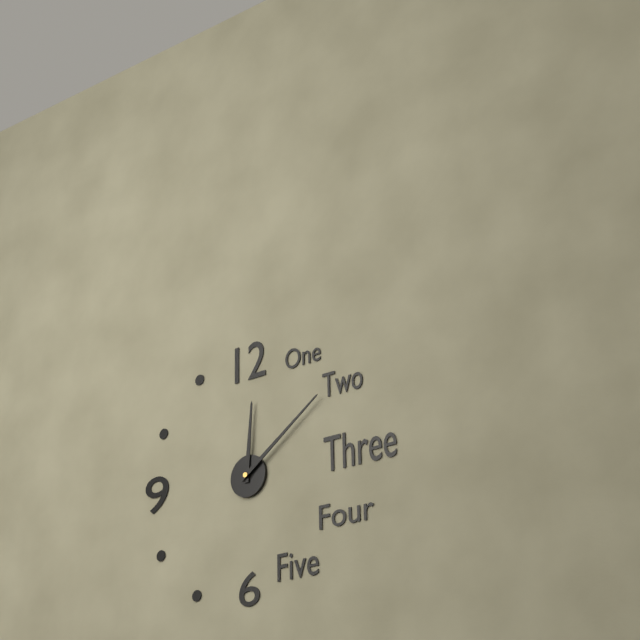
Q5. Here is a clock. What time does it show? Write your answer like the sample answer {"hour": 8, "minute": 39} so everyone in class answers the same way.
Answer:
{"hour": 12, "minute": 9}
